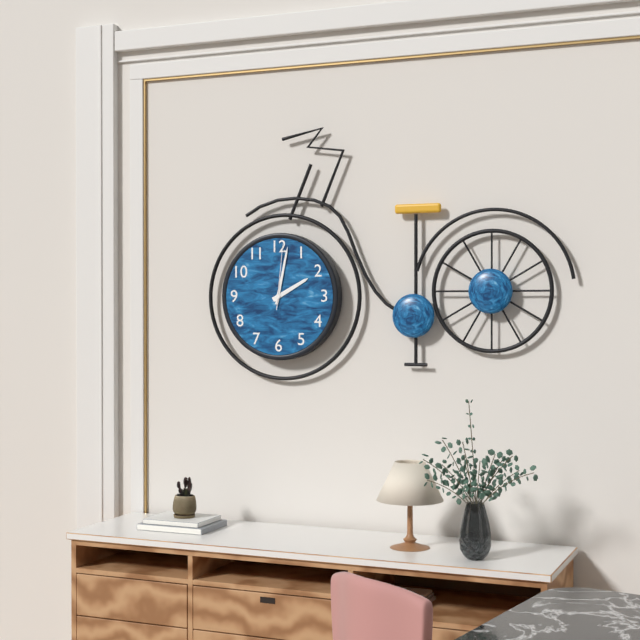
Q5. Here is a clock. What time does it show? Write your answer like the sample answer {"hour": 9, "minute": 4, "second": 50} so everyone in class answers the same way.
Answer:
{"hour": 2, "minute": 2, "second": 1}
